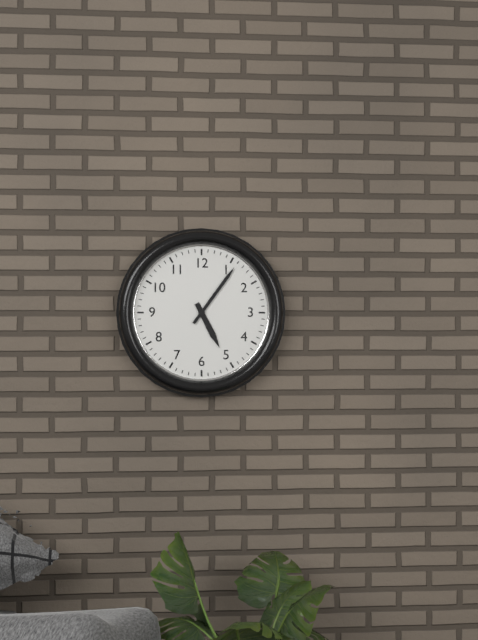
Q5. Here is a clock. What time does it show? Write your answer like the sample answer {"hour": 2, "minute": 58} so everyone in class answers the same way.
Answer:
{"hour": 5, "minute": 6}
